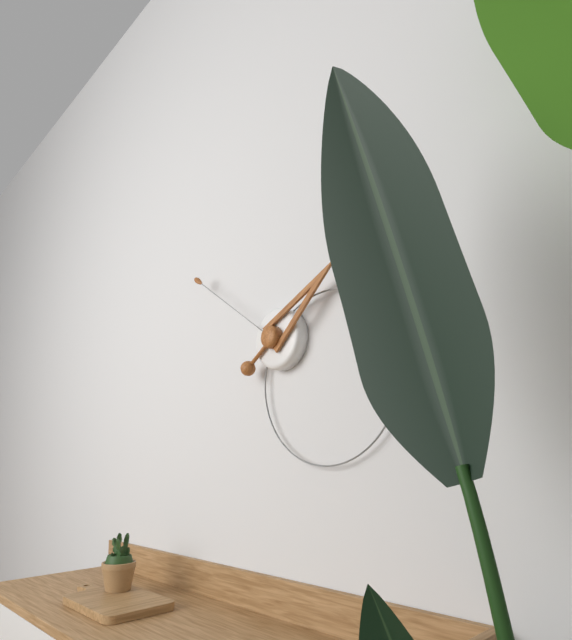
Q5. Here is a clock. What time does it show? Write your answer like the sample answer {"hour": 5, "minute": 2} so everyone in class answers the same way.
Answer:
{"hour": 1, "minute": 51}
